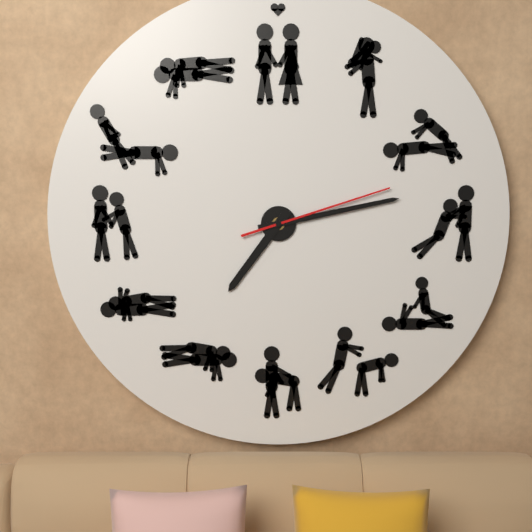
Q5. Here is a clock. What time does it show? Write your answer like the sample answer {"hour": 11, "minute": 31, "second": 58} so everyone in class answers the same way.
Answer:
{"hour": 7, "minute": 13, "second": 12}
